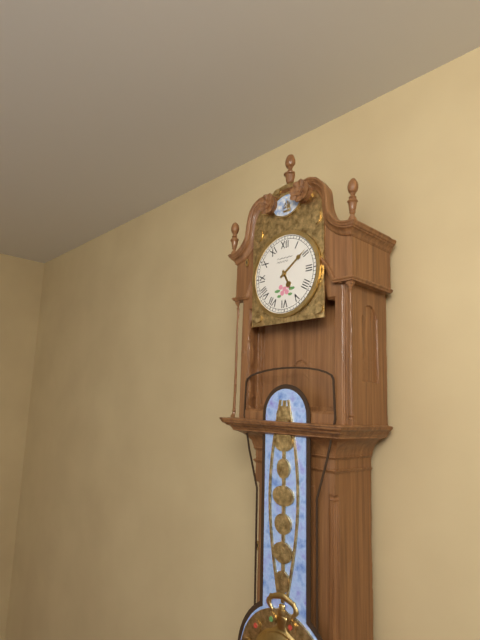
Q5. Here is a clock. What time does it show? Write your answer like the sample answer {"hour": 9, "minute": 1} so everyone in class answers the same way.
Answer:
{"hour": 5, "minute": 9}
